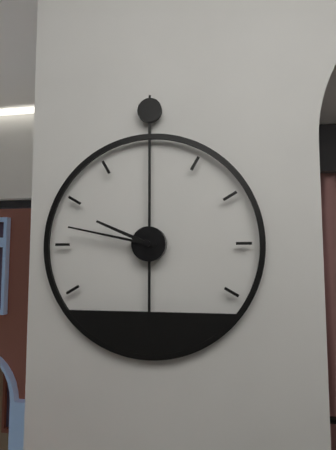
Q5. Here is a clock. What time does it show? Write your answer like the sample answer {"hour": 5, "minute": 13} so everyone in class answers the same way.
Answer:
{"hour": 9, "minute": 47}
